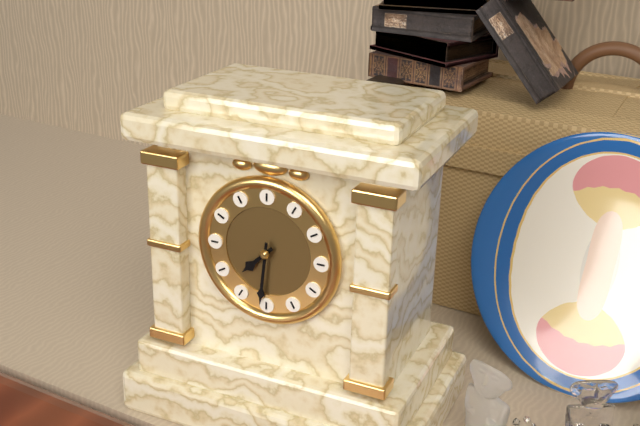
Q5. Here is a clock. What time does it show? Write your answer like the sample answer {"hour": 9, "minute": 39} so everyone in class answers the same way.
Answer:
{"hour": 7, "minute": 31}
